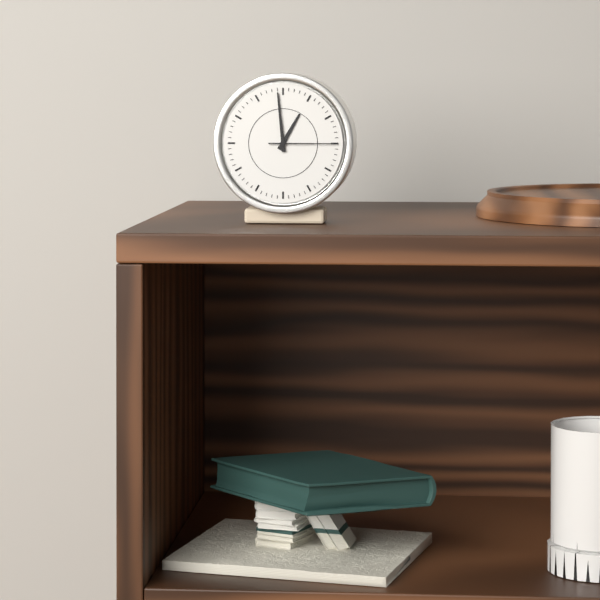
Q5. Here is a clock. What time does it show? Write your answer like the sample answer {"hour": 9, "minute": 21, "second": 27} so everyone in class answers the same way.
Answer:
{"hour": 12, "minute": 59, "second": 15}
